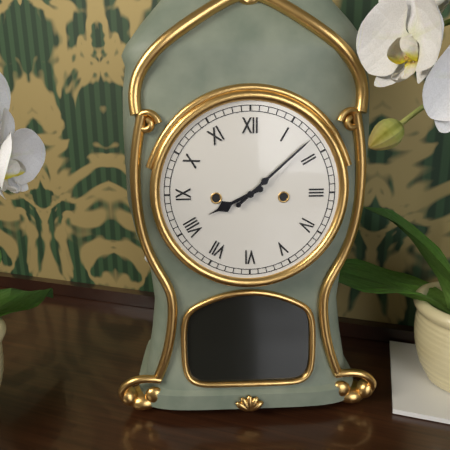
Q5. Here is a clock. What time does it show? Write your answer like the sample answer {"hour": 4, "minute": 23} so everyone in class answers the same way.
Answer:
{"hour": 8, "minute": 8}
